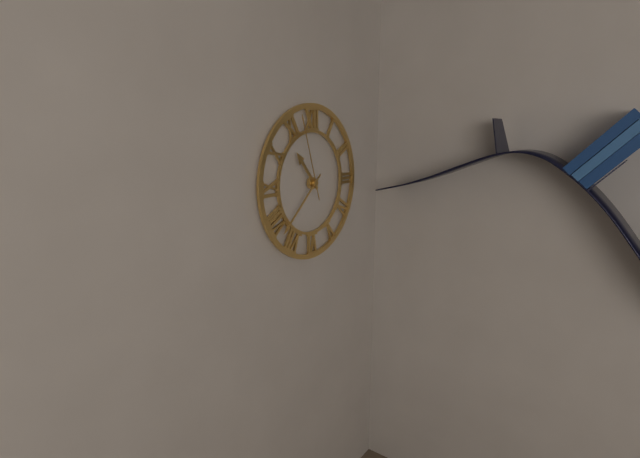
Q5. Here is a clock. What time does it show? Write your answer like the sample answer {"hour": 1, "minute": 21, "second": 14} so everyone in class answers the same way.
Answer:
{"hour": 10, "minute": 38, "second": 57}
